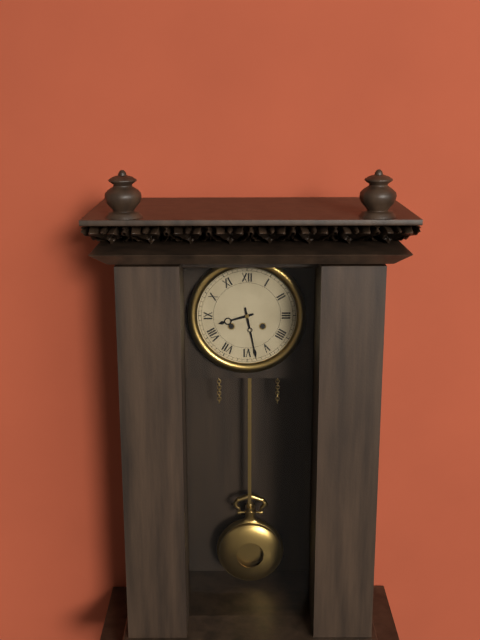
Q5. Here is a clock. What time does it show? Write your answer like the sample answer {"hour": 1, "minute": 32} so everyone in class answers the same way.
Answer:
{"hour": 8, "minute": 28}
